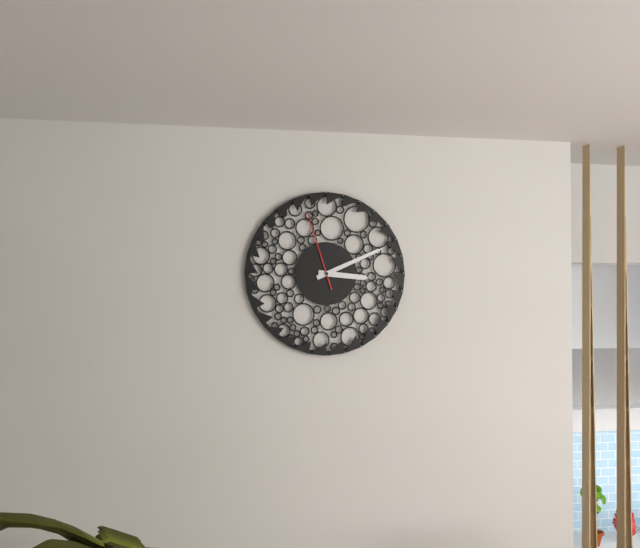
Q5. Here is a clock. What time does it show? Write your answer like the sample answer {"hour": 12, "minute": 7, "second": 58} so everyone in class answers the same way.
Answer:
{"hour": 3, "minute": 11, "second": 57}
